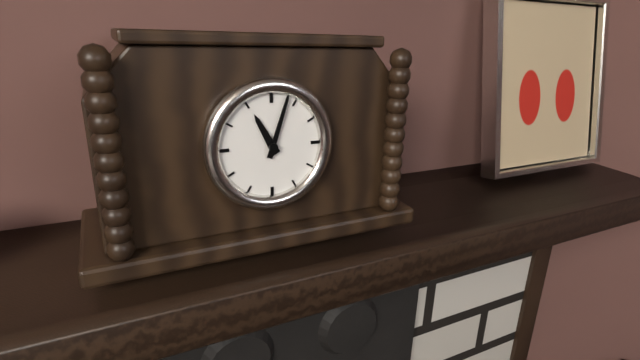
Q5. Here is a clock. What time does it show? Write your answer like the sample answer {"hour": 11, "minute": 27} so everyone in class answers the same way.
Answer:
{"hour": 11, "minute": 3}
